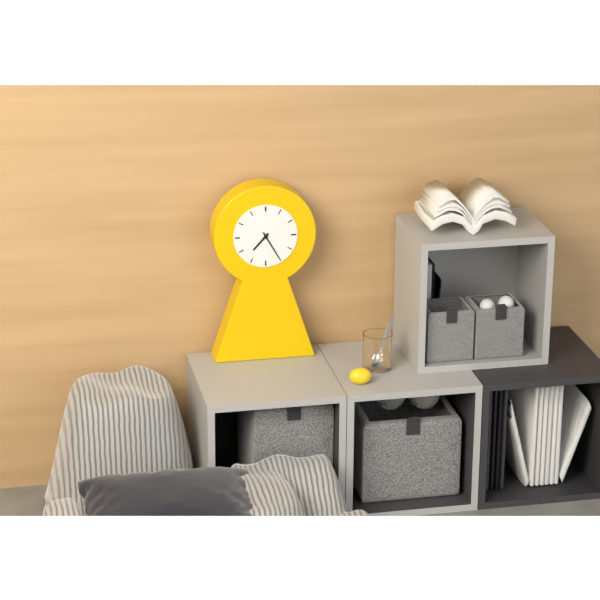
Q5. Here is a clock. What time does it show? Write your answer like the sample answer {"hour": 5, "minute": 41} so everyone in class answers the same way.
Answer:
{"hour": 7, "minute": 25}
